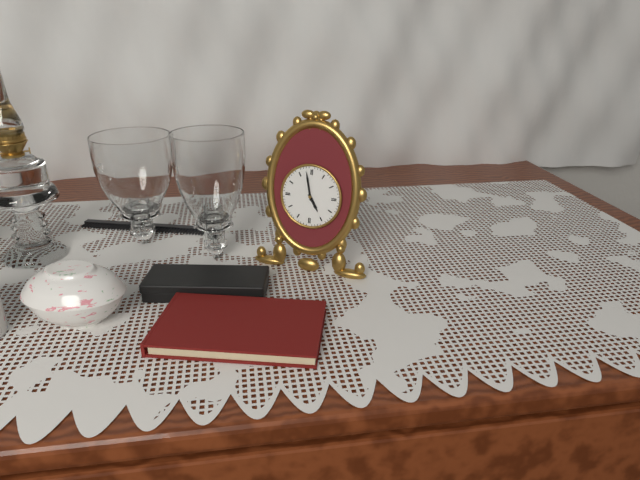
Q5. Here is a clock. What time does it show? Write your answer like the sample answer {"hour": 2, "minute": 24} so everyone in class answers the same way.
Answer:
{"hour": 4, "minute": 58}
